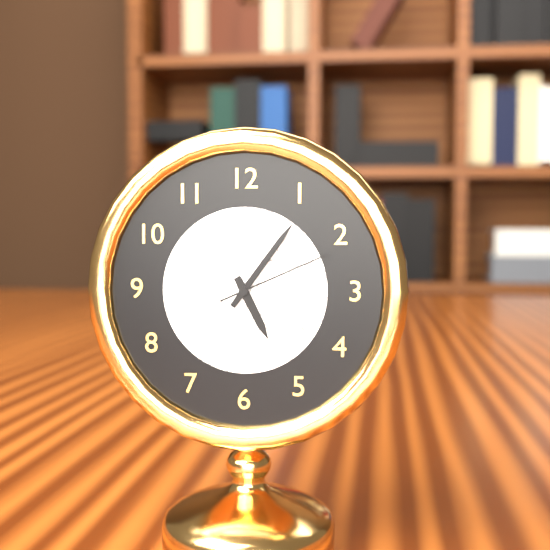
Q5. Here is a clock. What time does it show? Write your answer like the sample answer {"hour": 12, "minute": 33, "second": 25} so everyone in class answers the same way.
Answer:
{"hour": 5, "minute": 6, "second": 11}
